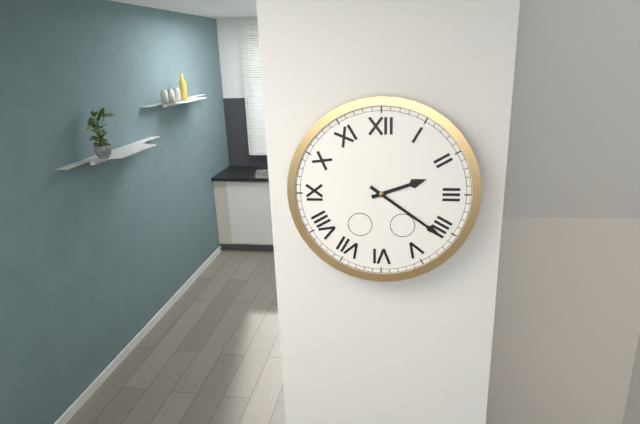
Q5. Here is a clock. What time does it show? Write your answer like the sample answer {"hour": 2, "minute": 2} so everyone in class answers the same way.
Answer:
{"hour": 2, "minute": 21}
